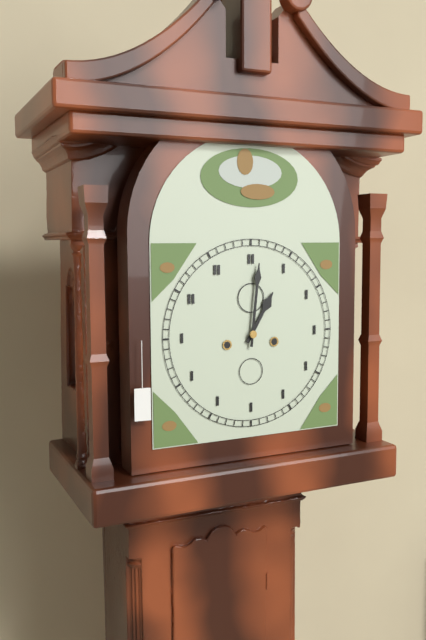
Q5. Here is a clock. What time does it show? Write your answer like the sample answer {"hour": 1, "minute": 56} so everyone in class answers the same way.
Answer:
{"hour": 1, "minute": 1}
